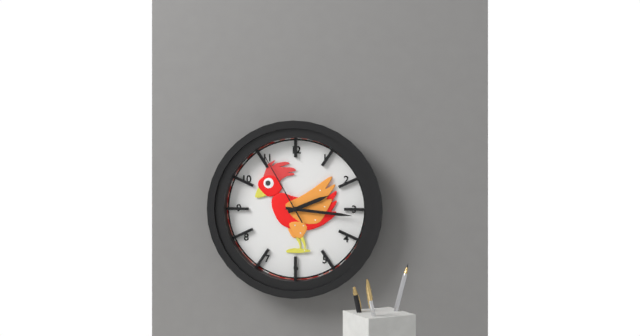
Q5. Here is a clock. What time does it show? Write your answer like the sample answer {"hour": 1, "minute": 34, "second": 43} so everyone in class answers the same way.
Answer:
{"hour": 2, "minute": 16, "second": 55}
